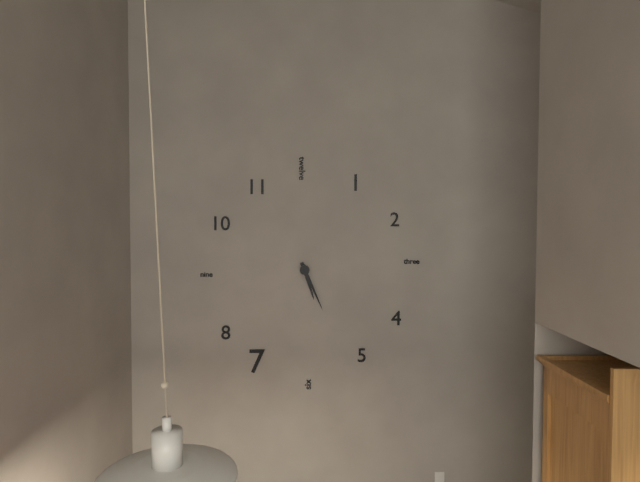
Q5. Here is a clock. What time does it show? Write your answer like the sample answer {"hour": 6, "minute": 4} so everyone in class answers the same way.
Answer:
{"hour": 5, "minute": 26}
